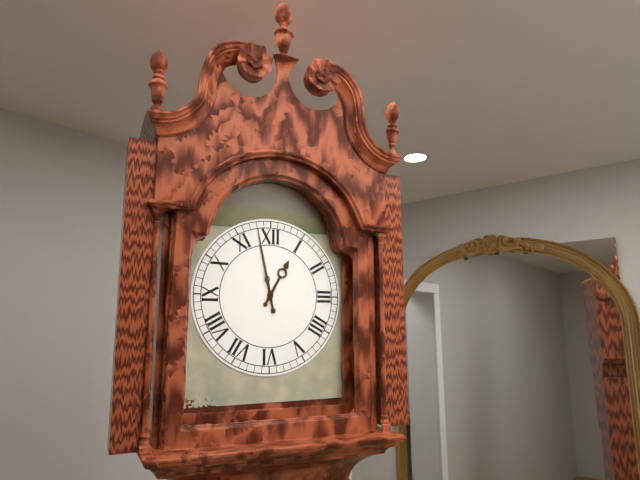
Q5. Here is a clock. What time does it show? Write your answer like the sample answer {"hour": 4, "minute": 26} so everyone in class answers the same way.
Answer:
{"hour": 12, "minute": 58}
